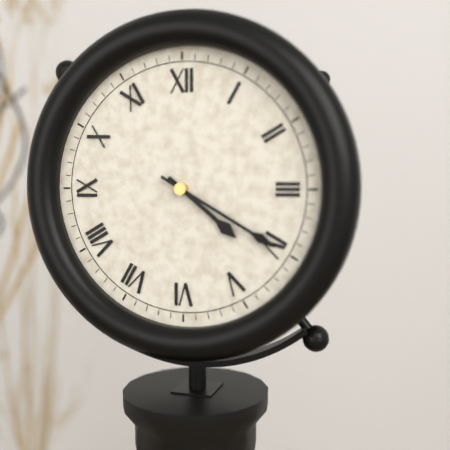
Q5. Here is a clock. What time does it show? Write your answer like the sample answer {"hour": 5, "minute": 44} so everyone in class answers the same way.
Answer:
{"hour": 4, "minute": 20}
